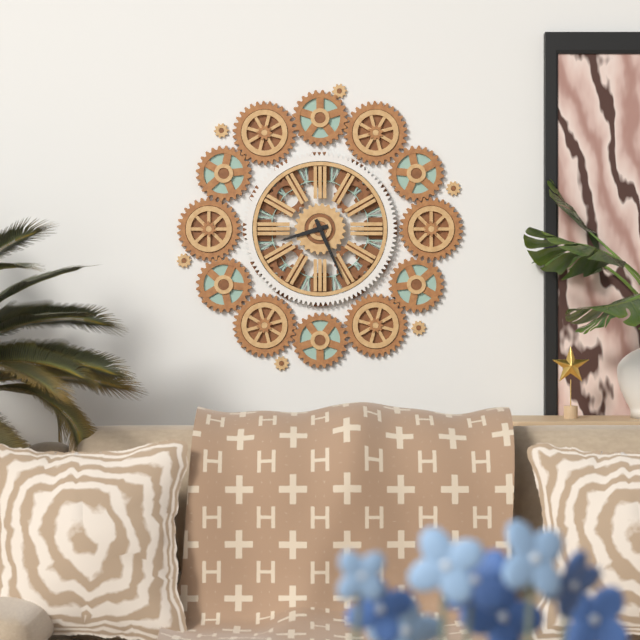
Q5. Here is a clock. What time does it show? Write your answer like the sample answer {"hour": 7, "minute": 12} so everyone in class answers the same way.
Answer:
{"hour": 8, "minute": 26}
